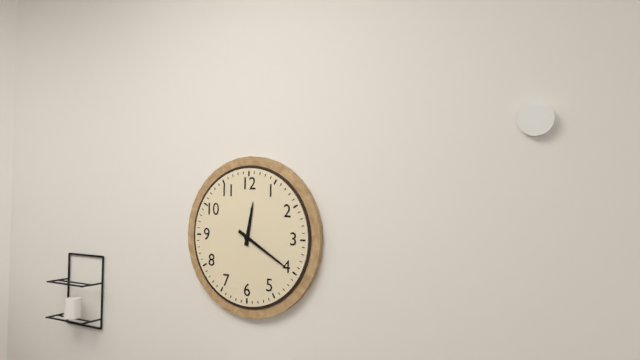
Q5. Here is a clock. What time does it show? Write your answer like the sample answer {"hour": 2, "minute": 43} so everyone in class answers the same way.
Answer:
{"hour": 12, "minute": 20}
